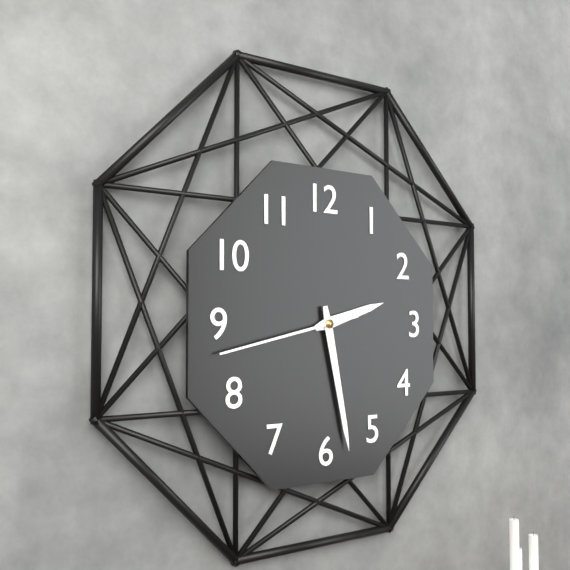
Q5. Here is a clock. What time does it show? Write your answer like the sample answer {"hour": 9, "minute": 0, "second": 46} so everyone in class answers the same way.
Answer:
{"hour": 2, "minute": 28, "second": 43}
